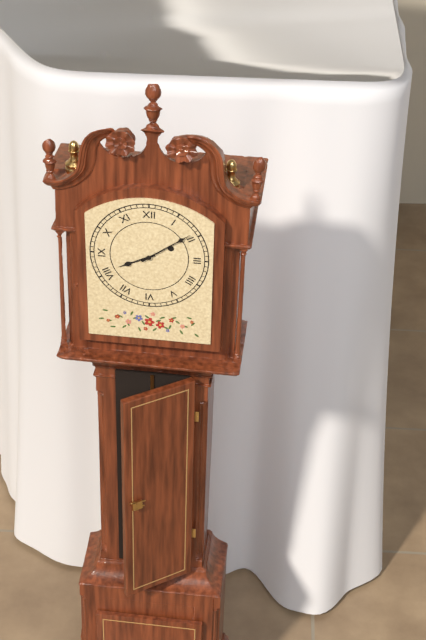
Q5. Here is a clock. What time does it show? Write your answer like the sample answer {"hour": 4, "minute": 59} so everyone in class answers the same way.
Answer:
{"hour": 8, "minute": 9}
